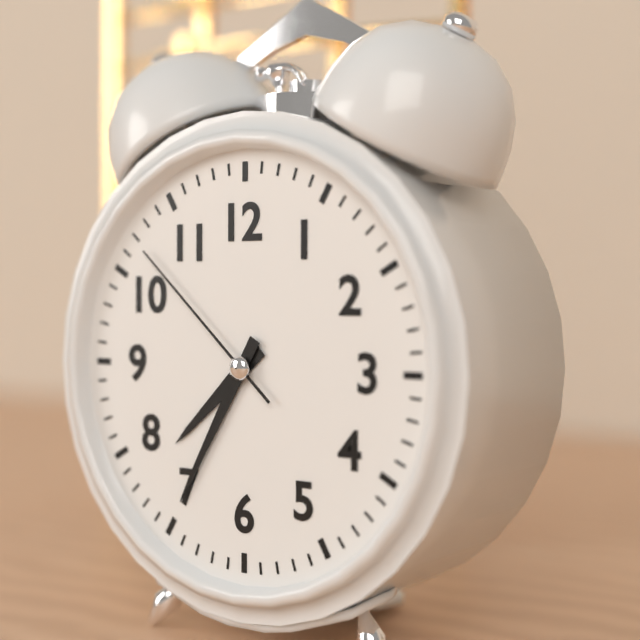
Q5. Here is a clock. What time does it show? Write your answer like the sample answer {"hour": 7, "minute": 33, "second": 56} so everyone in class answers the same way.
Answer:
{"hour": 7, "minute": 35, "second": 52}
